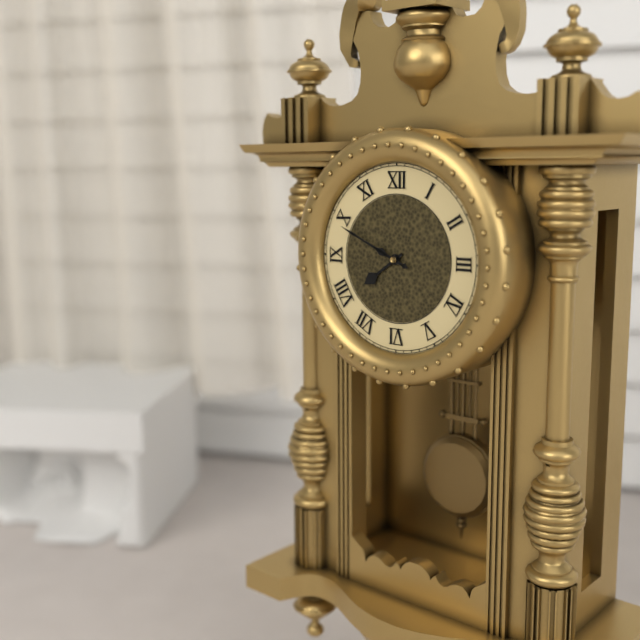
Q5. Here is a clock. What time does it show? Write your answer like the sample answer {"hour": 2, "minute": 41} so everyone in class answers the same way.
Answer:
{"hour": 7, "minute": 49}
